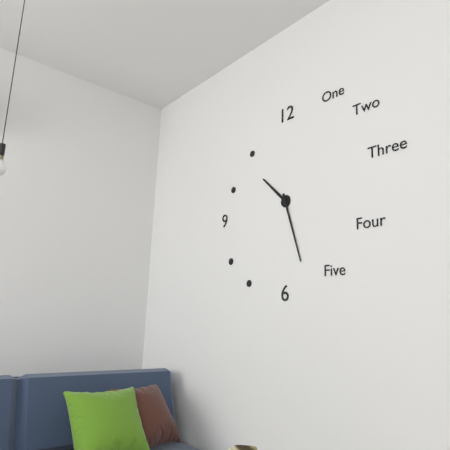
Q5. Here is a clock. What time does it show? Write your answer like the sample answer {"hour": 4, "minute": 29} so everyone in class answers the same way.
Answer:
{"hour": 10, "minute": 27}
